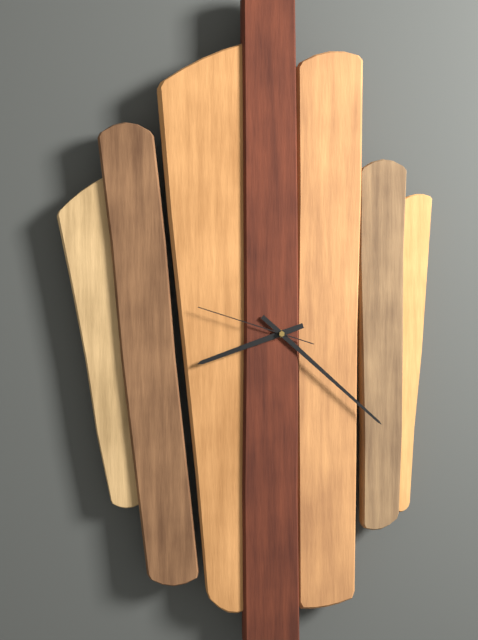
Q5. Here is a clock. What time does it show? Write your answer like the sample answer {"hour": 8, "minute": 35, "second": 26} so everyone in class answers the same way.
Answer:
{"hour": 8, "minute": 22, "second": 48}
